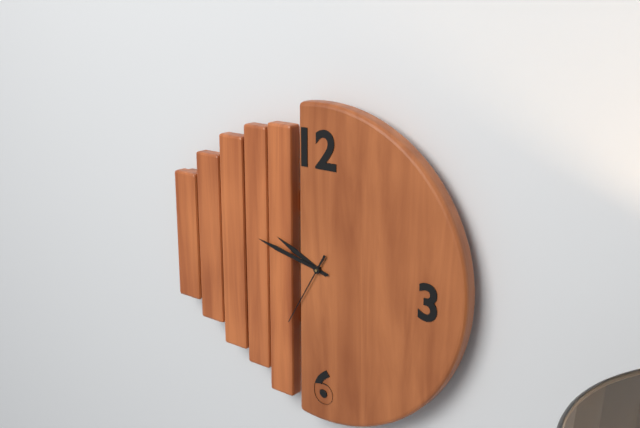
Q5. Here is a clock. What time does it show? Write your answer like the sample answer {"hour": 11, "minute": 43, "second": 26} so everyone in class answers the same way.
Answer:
{"hour": 9, "minute": 47, "second": 35}
